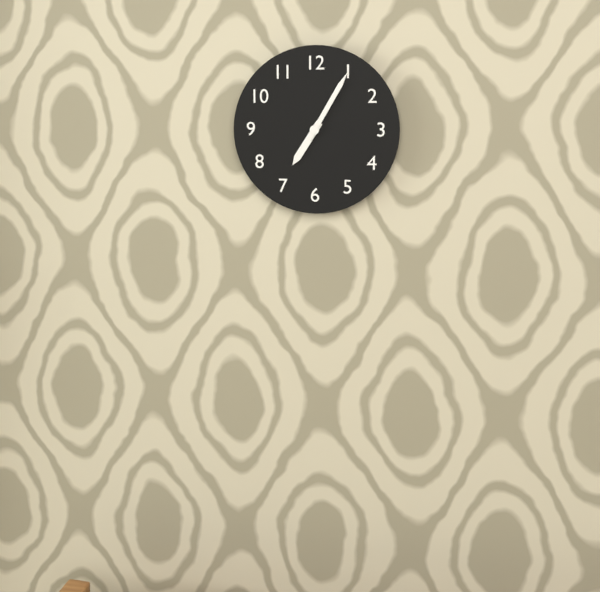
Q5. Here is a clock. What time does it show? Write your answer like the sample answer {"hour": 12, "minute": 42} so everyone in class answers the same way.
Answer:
{"hour": 7, "minute": 5}
